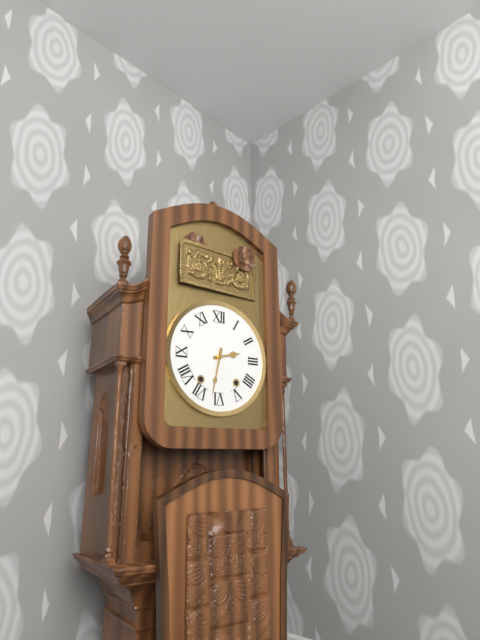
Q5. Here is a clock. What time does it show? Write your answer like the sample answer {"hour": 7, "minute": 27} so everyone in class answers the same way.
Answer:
{"hour": 2, "minute": 32}
